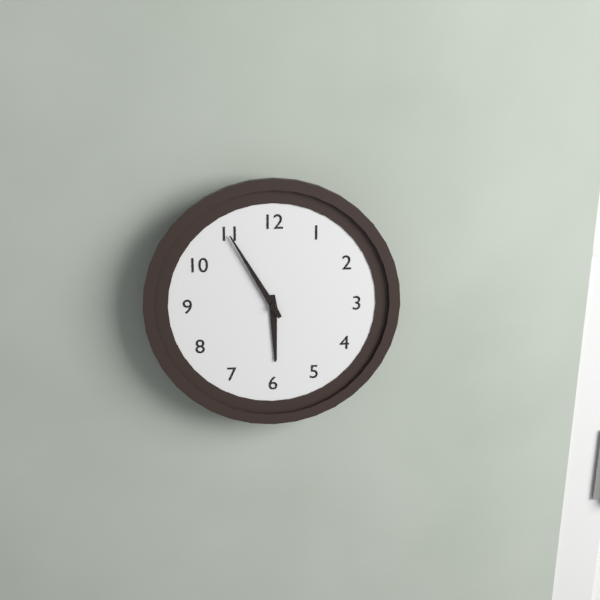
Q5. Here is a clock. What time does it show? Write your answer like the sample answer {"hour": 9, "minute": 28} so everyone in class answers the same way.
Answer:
{"hour": 5, "minute": 55}
